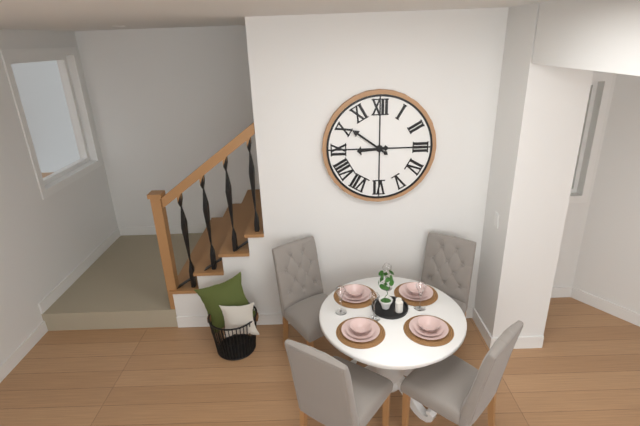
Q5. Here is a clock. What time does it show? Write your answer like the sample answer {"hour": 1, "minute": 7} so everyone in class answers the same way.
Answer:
{"hour": 8, "minute": 51}
